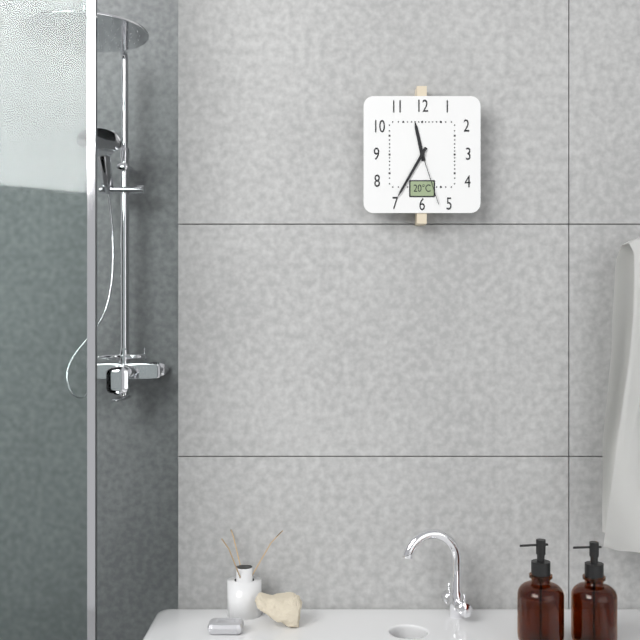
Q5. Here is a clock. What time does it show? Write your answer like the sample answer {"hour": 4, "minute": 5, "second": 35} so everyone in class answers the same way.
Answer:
{"hour": 11, "minute": 35, "second": 27}
